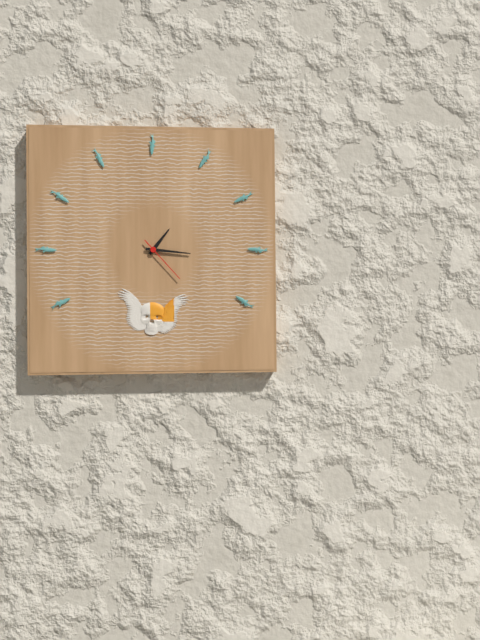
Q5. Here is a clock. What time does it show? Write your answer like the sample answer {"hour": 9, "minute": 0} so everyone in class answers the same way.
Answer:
{"hour": 1, "minute": 16}
